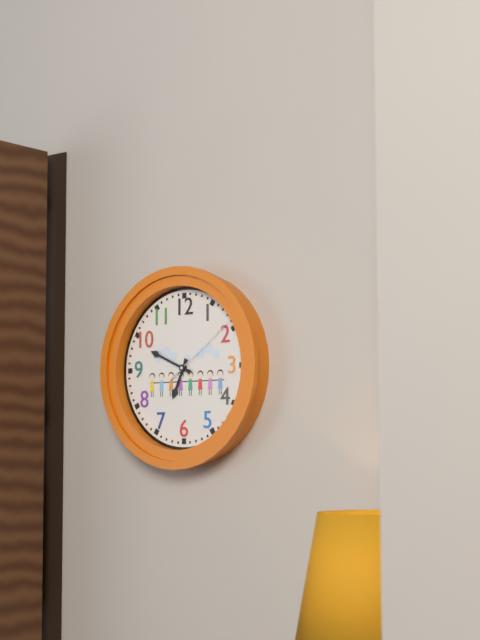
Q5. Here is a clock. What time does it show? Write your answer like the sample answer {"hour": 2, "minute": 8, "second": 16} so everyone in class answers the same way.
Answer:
{"hour": 6, "minute": 49, "second": 9}
